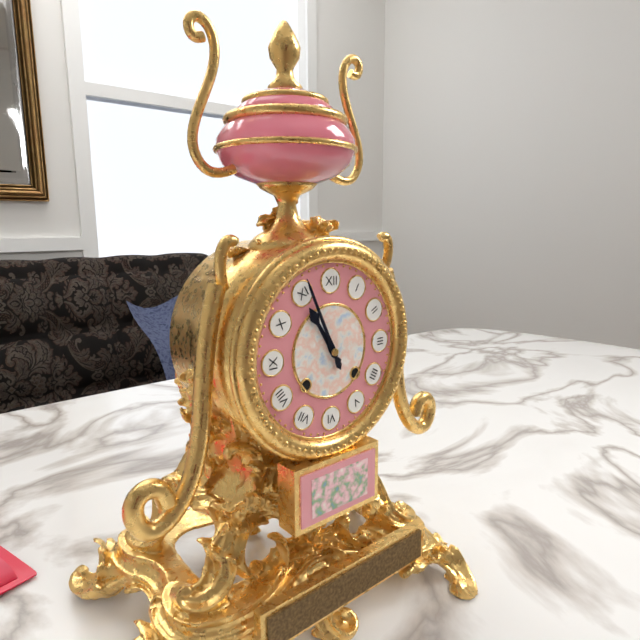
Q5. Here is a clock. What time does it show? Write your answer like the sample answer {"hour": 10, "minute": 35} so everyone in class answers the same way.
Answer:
{"hour": 10, "minute": 56}
